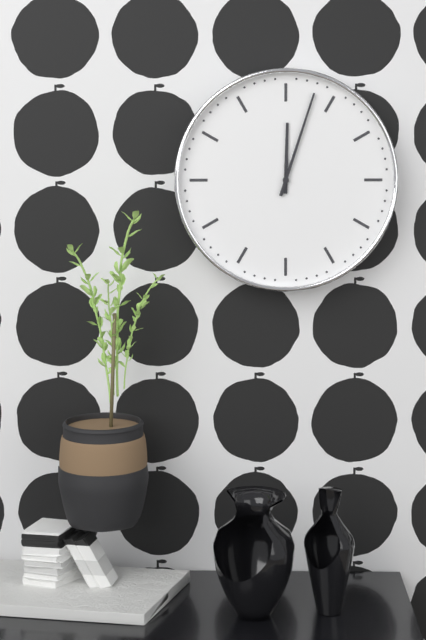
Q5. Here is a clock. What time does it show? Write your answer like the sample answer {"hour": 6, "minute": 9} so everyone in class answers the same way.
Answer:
{"hour": 12, "minute": 3}
